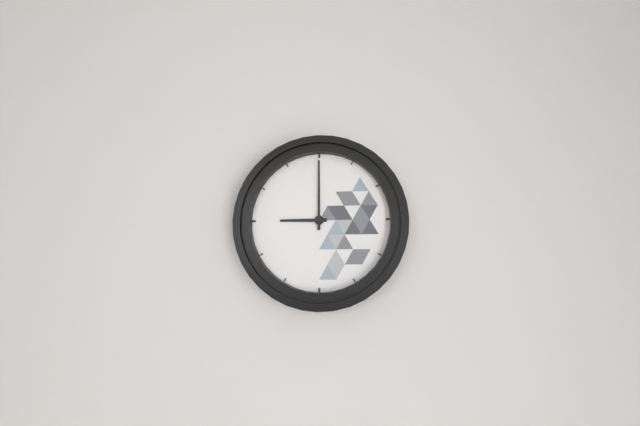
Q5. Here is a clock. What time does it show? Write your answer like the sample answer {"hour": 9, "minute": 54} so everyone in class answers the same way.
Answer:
{"hour": 9, "minute": 0}
